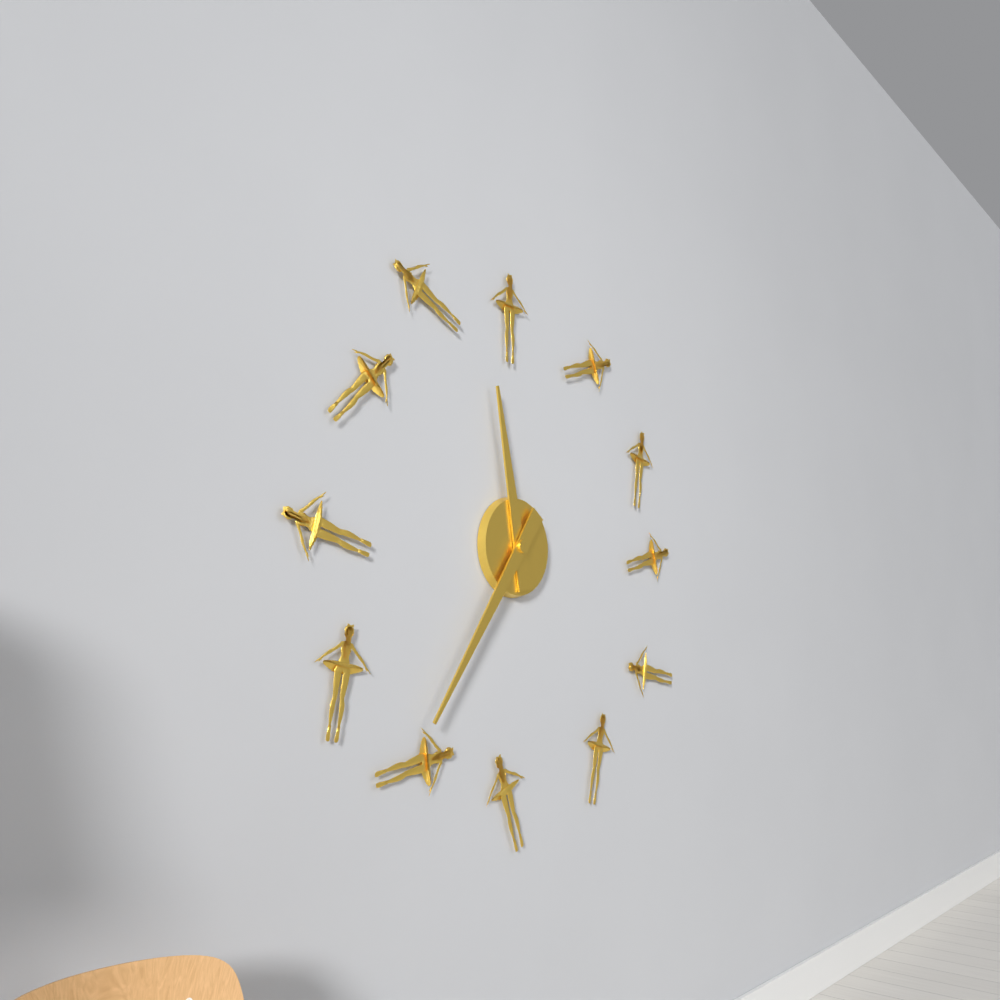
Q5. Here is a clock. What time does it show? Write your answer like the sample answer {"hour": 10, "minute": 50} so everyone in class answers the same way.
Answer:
{"hour": 11, "minute": 36}
